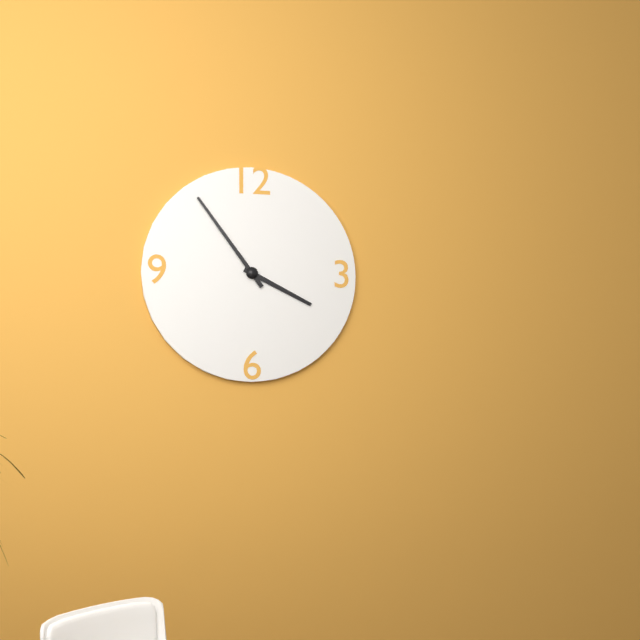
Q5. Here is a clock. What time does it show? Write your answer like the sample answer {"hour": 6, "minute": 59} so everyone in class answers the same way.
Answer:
{"hour": 3, "minute": 54}
